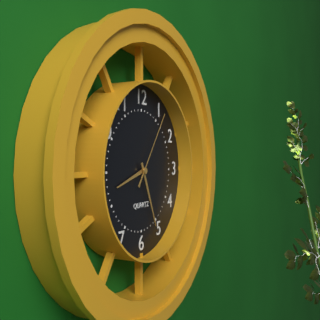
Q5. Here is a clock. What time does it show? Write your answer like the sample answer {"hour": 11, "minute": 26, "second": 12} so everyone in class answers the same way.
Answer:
{"hour": 8, "minute": 26, "second": 6}
